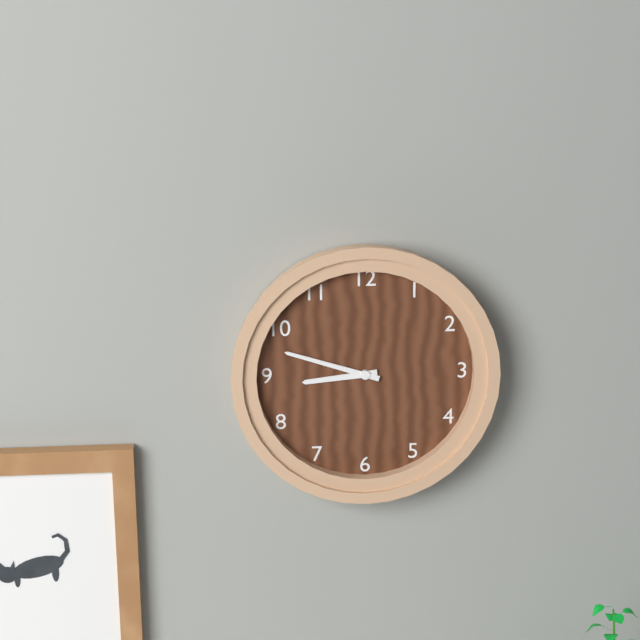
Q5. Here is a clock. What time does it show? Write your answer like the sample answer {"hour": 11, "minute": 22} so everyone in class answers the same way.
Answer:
{"hour": 8, "minute": 48}
